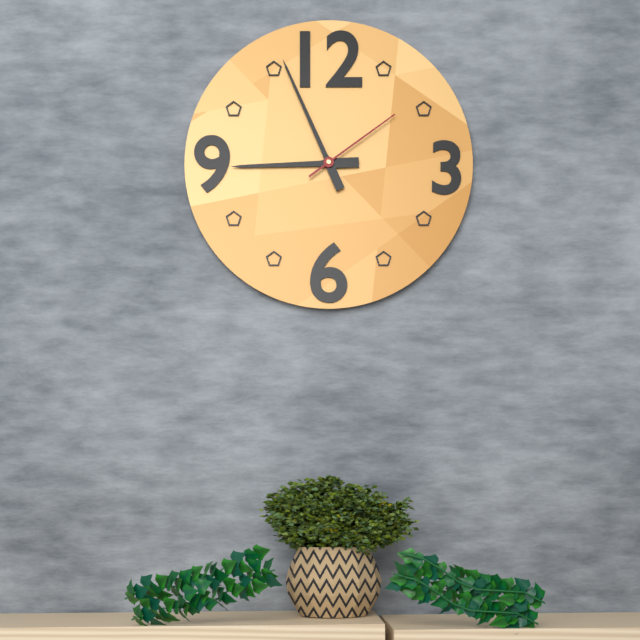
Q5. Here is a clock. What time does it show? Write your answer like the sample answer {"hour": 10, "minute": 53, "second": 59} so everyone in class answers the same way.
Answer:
{"hour": 8, "minute": 56, "second": 9}
